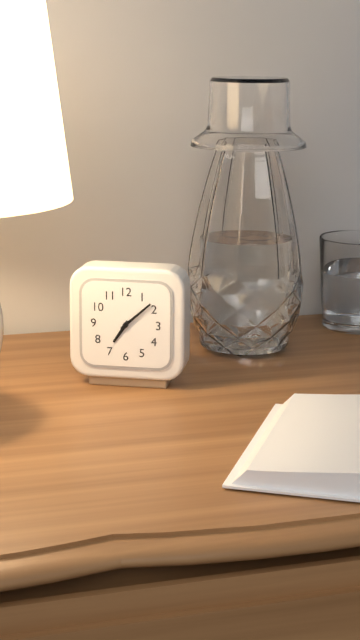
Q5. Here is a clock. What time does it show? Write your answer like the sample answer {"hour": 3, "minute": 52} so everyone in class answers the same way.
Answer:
{"hour": 7, "minute": 8}
